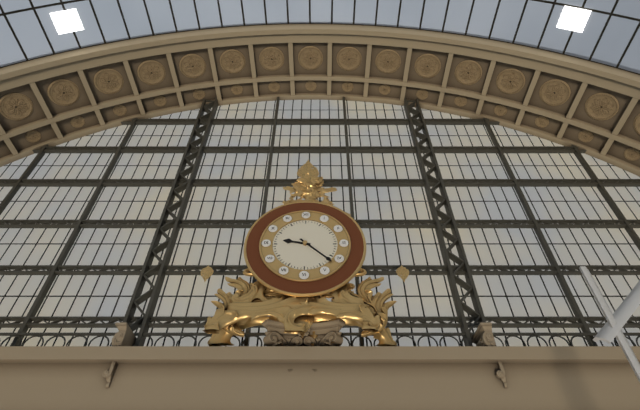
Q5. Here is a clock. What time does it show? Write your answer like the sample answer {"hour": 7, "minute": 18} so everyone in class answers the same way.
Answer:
{"hour": 9, "minute": 22}
